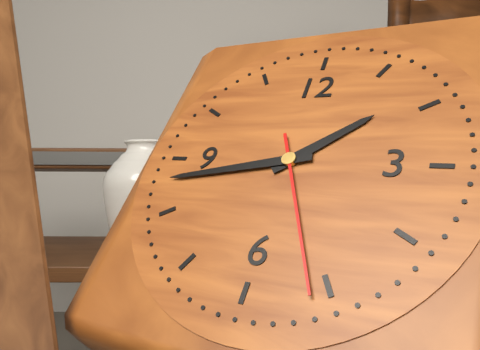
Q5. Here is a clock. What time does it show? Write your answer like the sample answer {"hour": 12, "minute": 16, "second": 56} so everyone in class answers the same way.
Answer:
{"hour": 1, "minute": 43, "second": 26}
